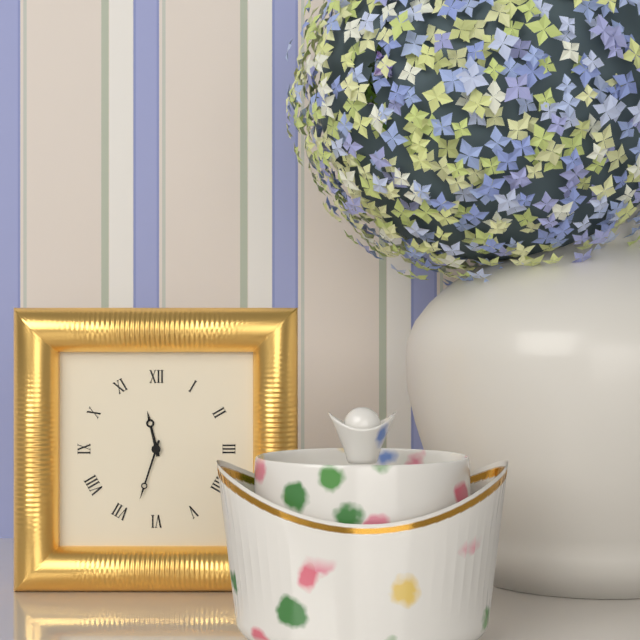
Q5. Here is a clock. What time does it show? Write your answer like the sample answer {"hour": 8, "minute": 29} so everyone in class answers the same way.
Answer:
{"hour": 11, "minute": 33}
